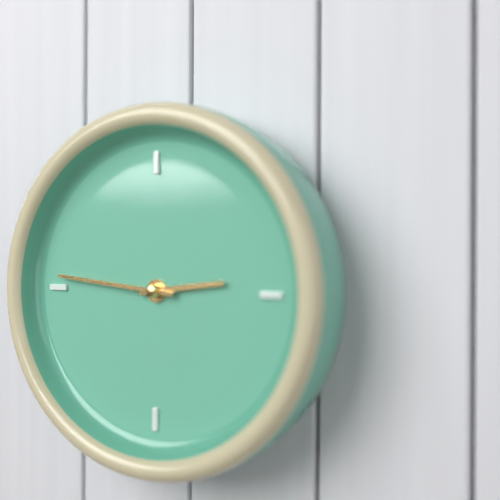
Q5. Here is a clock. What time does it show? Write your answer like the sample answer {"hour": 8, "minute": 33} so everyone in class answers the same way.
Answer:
{"hour": 2, "minute": 46}
